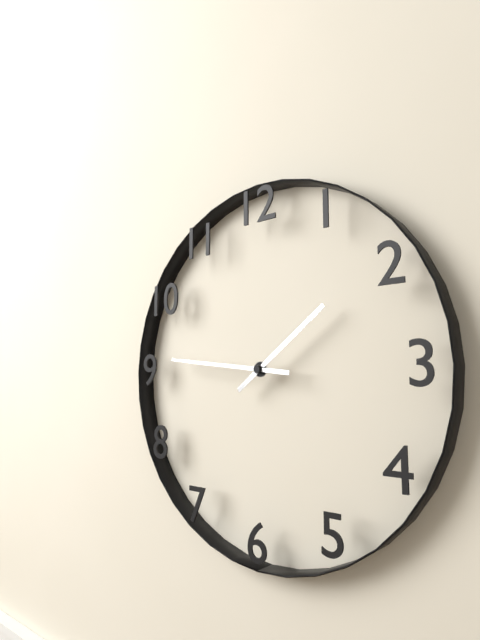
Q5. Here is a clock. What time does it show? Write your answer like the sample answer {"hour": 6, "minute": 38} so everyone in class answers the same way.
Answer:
{"hour": 1, "minute": 46}
